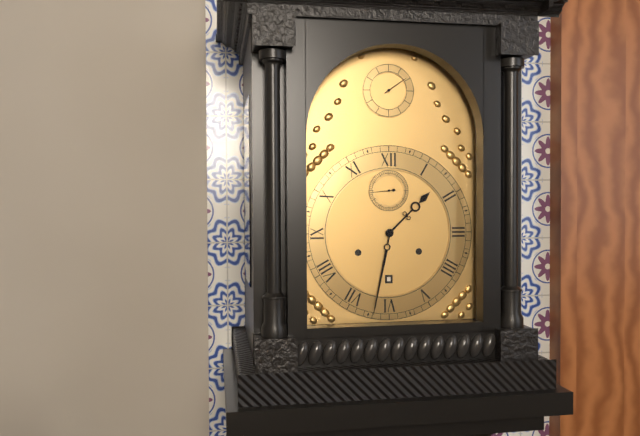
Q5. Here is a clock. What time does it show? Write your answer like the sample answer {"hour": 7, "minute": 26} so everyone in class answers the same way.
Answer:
{"hour": 1, "minute": 32}
